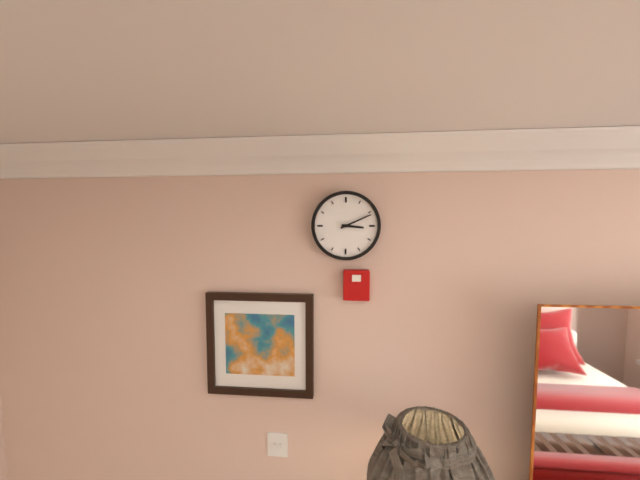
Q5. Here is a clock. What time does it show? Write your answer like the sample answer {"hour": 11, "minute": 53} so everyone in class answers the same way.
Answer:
{"hour": 3, "minute": 11}
